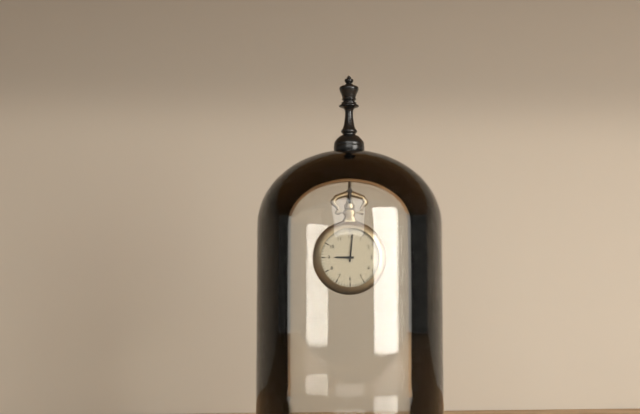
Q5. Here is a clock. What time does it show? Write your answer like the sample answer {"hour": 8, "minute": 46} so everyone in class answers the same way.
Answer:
{"hour": 9, "minute": 1}
